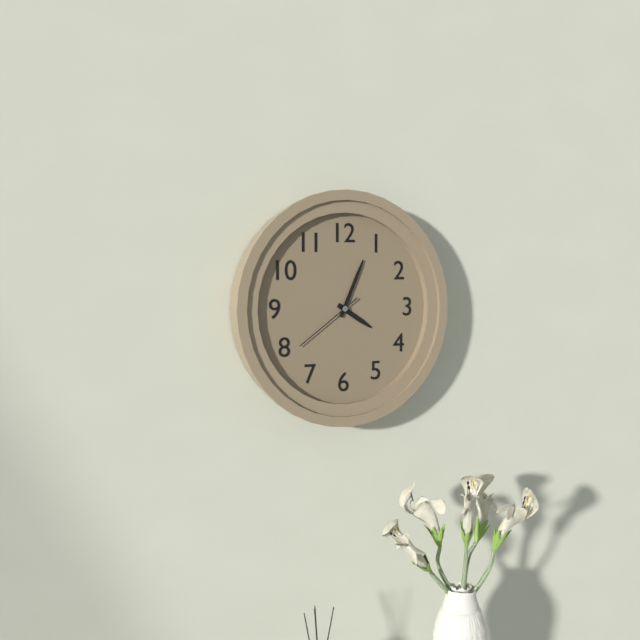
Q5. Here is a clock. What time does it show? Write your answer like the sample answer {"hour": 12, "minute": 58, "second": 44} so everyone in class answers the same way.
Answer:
{"hour": 4, "minute": 4, "second": 39}
